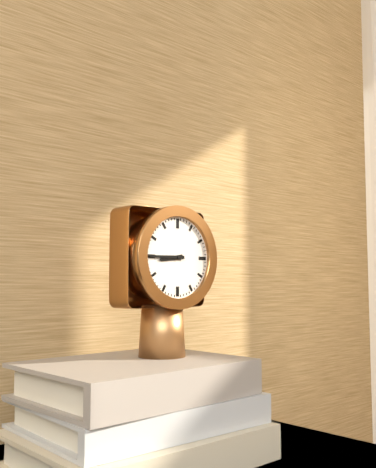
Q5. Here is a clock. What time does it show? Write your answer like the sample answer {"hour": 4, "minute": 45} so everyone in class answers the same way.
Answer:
{"hour": 8, "minute": 45}
